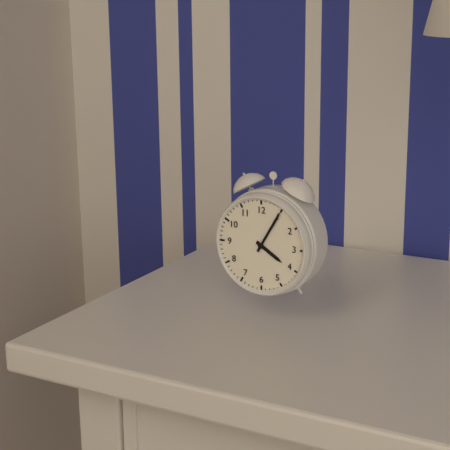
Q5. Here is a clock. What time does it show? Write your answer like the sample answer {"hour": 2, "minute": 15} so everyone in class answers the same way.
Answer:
{"hour": 4, "minute": 5}
